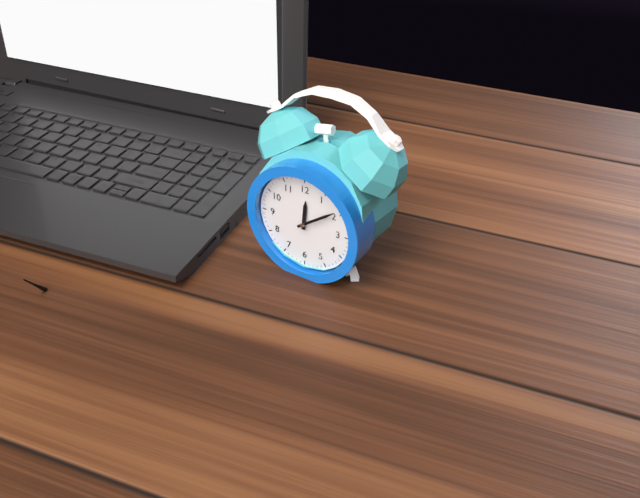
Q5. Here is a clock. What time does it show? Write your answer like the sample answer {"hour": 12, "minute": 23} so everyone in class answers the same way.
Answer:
{"hour": 12, "minute": 9}
